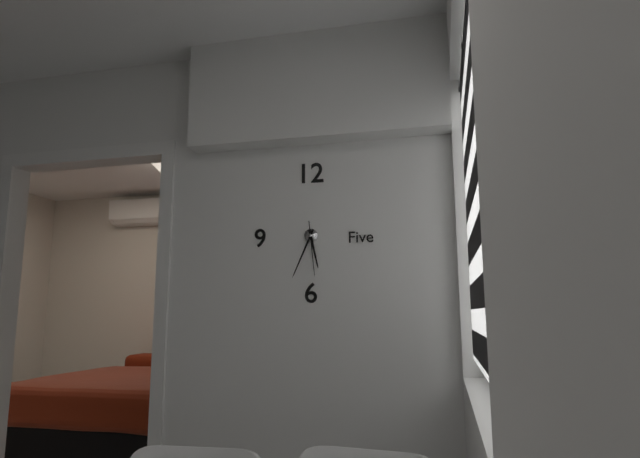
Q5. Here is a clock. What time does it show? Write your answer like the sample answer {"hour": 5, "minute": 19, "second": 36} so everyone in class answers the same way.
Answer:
{"hour": 5, "minute": 34, "second": 29}
